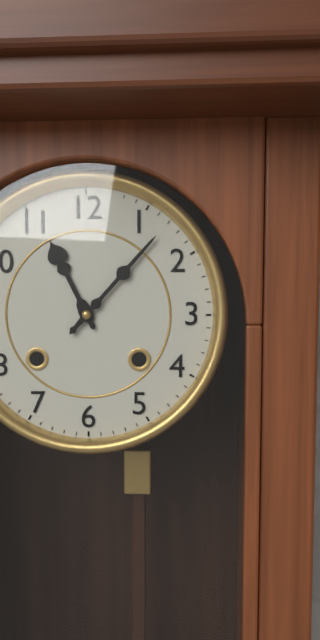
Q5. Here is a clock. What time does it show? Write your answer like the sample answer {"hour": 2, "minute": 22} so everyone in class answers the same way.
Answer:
{"hour": 11, "minute": 7}
